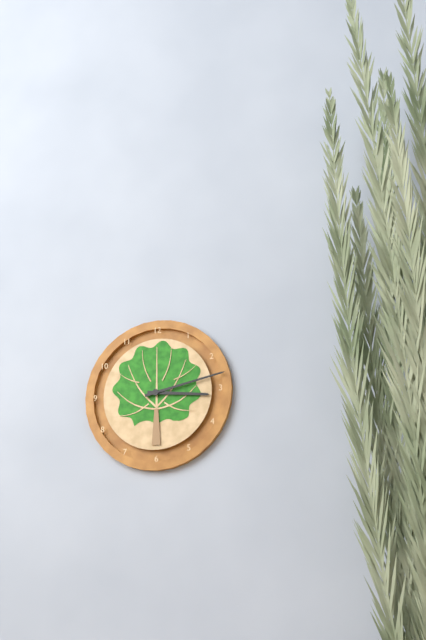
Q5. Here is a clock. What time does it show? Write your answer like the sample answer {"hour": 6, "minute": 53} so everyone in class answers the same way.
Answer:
{"hour": 3, "minute": 13}
